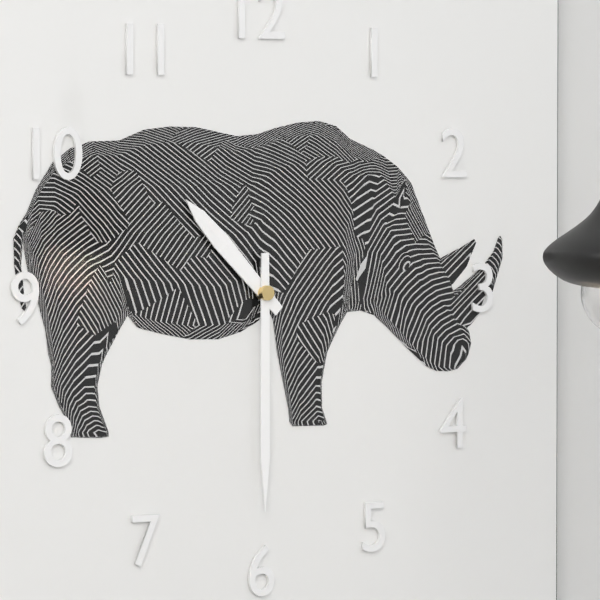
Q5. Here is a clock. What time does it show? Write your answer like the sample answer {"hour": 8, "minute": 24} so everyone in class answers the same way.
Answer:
{"hour": 10, "minute": 30}
